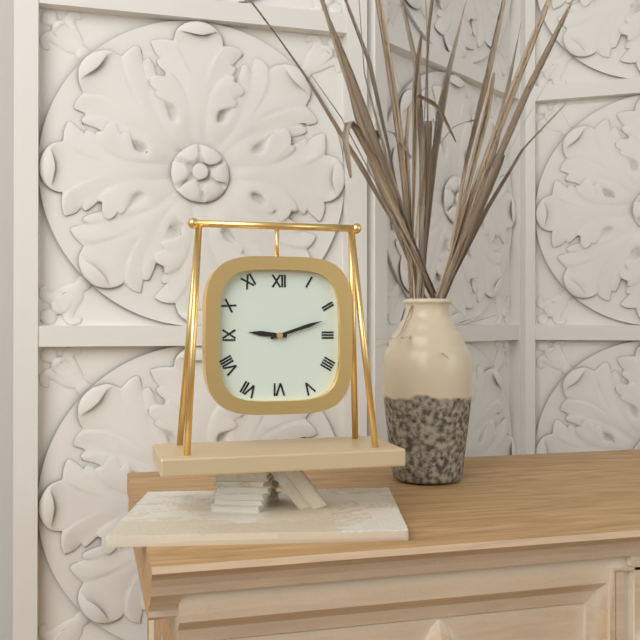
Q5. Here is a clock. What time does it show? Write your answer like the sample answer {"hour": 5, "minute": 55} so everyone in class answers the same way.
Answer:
{"hour": 9, "minute": 12}
